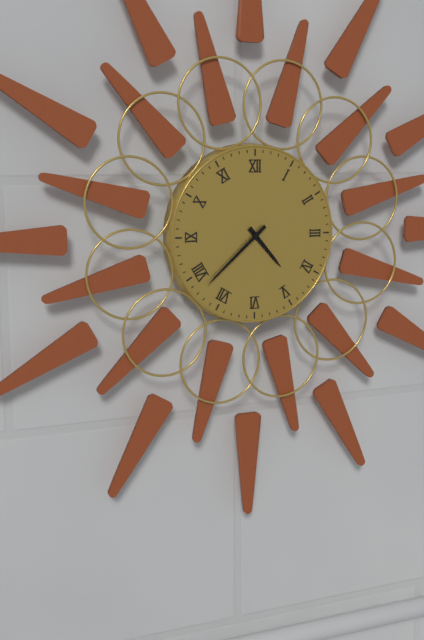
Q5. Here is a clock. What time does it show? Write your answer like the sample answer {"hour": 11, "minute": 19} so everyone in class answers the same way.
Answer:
{"hour": 4, "minute": 38}
